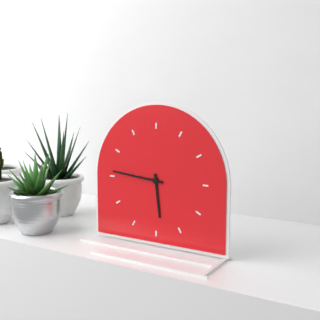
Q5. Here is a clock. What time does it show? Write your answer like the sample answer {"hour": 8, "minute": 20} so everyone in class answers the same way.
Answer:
{"hour": 5, "minute": 46}
